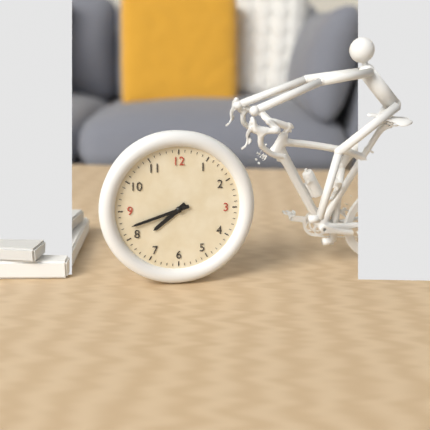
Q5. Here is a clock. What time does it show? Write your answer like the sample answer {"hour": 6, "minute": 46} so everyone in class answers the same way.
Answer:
{"hour": 7, "minute": 42}
